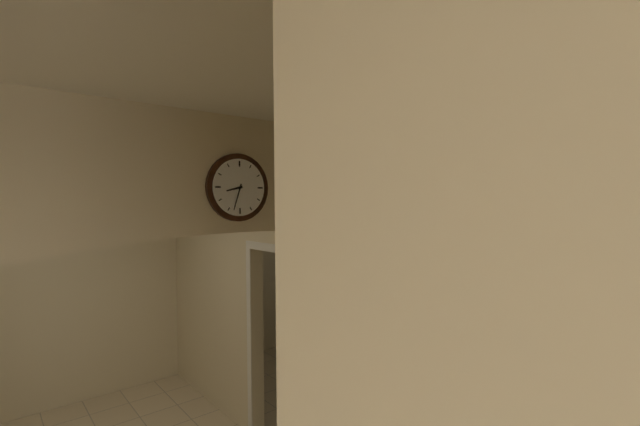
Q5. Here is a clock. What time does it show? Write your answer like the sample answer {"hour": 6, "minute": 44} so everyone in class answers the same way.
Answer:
{"hour": 8, "minute": 33}
